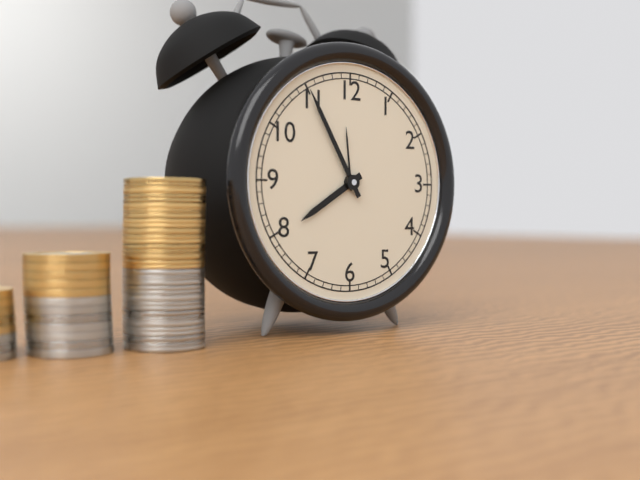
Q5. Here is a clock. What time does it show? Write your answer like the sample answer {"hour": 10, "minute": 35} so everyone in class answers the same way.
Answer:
{"hour": 7, "minute": 55}
